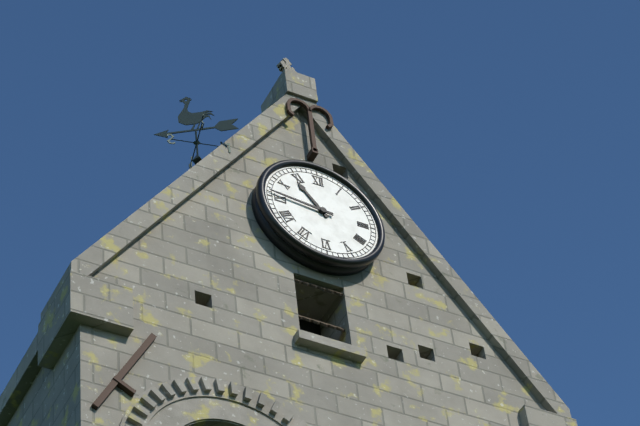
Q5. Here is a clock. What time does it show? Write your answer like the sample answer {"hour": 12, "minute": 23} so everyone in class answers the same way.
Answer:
{"hour": 10, "minute": 46}
